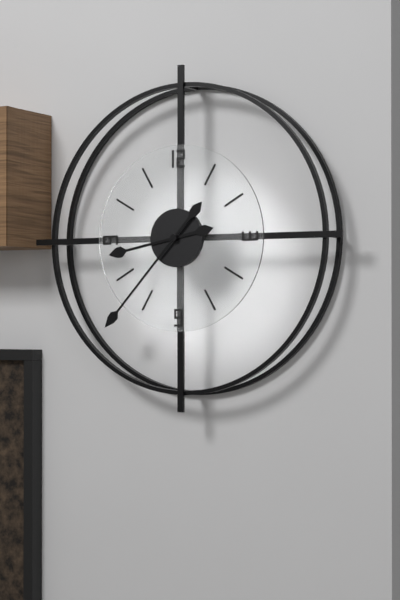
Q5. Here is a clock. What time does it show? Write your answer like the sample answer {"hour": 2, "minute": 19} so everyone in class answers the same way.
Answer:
{"hour": 8, "minute": 37}
